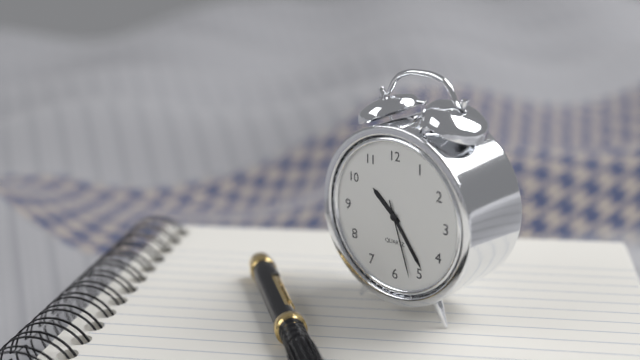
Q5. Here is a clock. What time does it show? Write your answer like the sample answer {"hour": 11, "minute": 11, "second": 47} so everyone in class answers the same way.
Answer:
{"hour": 10, "minute": 24, "second": 27}
